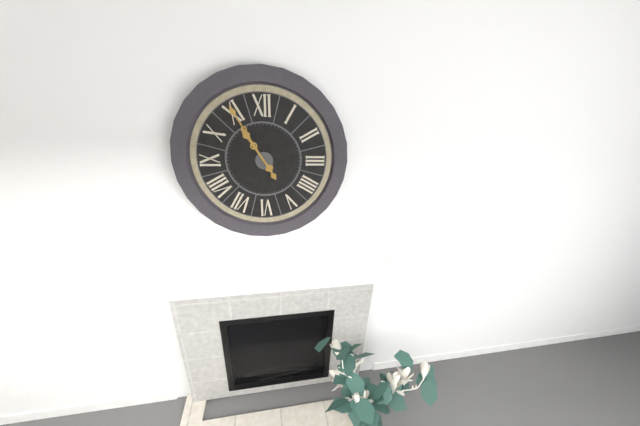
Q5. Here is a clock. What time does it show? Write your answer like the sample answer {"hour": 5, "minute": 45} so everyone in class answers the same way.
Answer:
{"hour": 10, "minute": 55}
